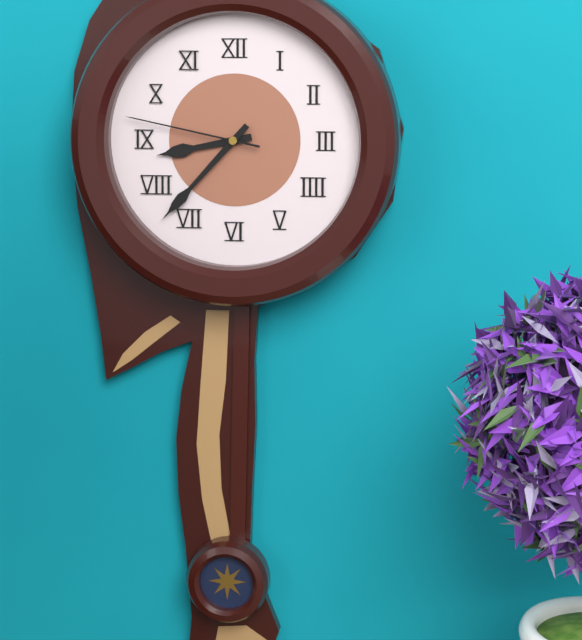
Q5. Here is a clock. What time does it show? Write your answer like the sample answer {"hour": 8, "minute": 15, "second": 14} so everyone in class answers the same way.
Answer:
{"hour": 8, "minute": 37, "second": 47}
